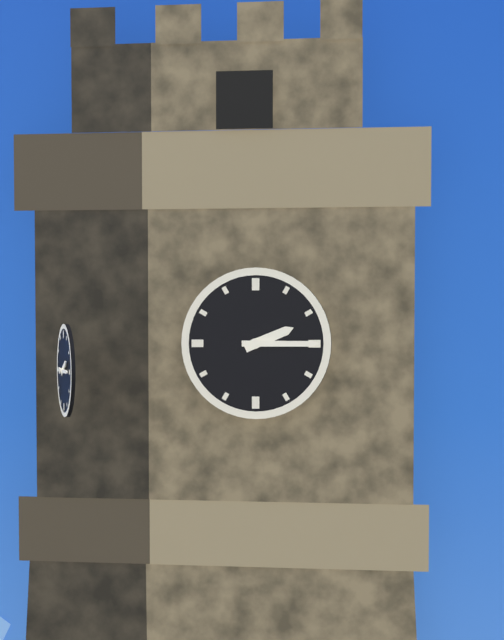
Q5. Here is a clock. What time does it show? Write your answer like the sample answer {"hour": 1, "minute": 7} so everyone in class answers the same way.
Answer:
{"hour": 2, "minute": 15}
